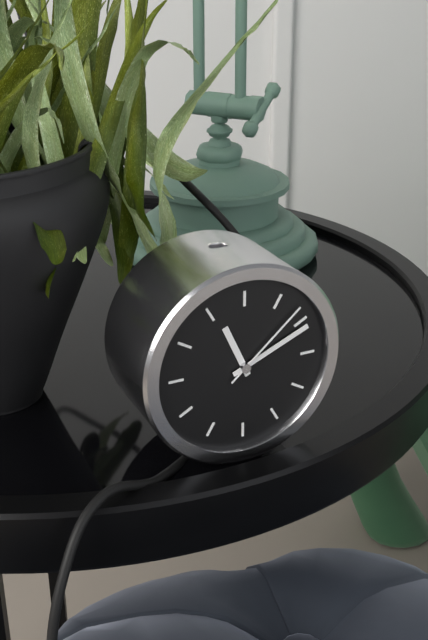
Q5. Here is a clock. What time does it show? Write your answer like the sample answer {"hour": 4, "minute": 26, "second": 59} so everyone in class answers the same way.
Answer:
{"hour": 11, "minute": 11, "second": 8}
